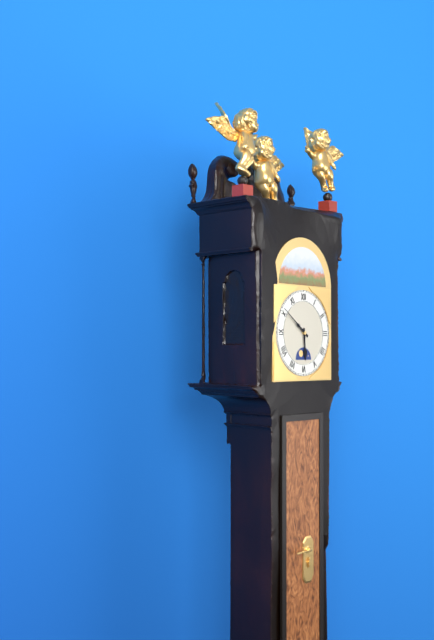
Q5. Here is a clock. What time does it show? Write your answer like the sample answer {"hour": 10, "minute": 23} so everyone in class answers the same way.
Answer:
{"hour": 5, "minute": 51}
